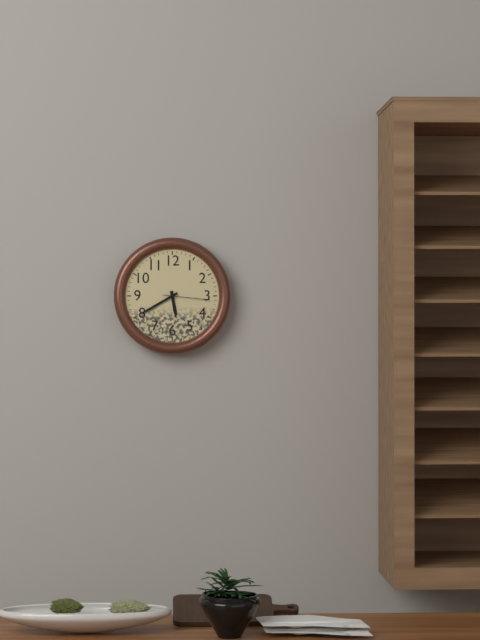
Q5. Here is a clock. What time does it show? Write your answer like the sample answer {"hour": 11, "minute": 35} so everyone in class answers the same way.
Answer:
{"hour": 5, "minute": 40}
